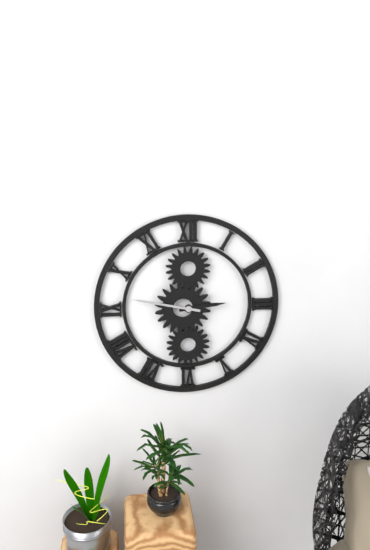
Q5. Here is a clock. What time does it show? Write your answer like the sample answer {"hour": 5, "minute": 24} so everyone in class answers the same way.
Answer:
{"hour": 2, "minute": 47}
